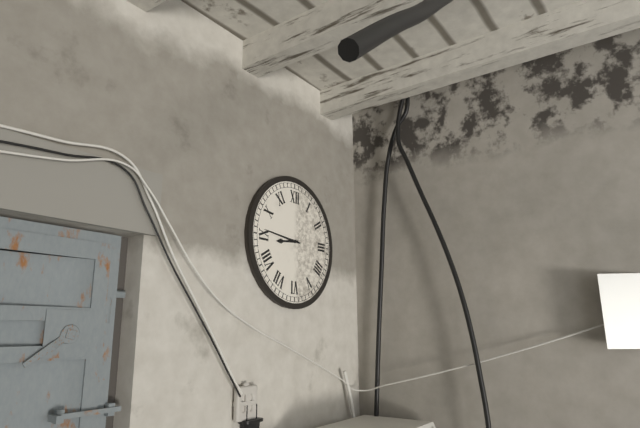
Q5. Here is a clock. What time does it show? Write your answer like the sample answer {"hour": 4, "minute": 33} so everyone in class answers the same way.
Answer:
{"hour": 8, "minute": 46}
